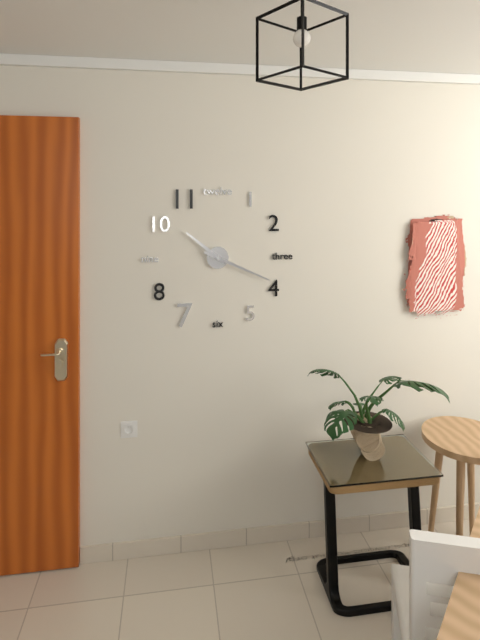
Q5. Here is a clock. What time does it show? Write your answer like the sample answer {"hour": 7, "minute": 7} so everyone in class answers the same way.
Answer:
{"hour": 10, "minute": 19}
